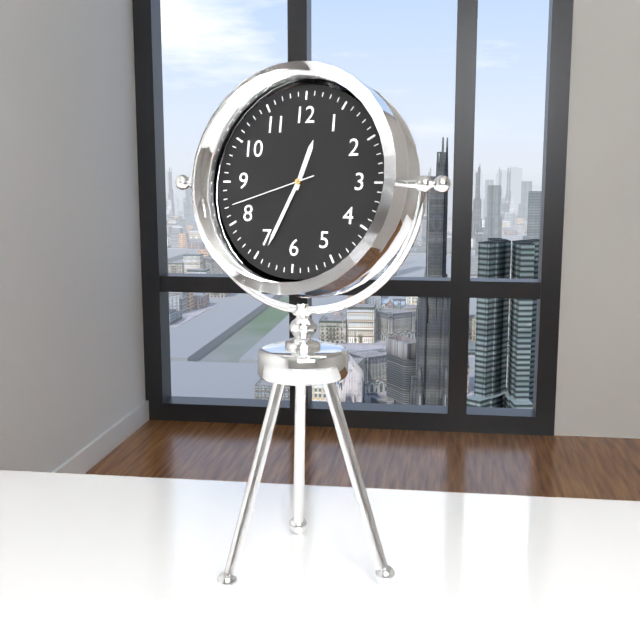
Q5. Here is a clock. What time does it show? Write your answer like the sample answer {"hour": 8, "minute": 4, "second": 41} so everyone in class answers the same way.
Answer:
{"hour": 12, "minute": 34, "second": 42}
